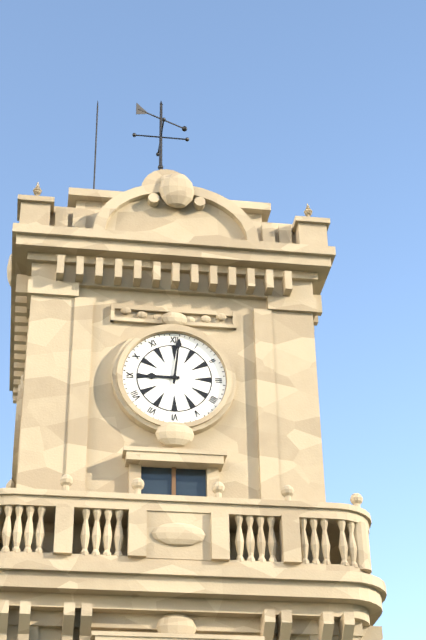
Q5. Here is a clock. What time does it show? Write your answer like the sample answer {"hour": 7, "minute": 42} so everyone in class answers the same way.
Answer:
{"hour": 9, "minute": 1}
